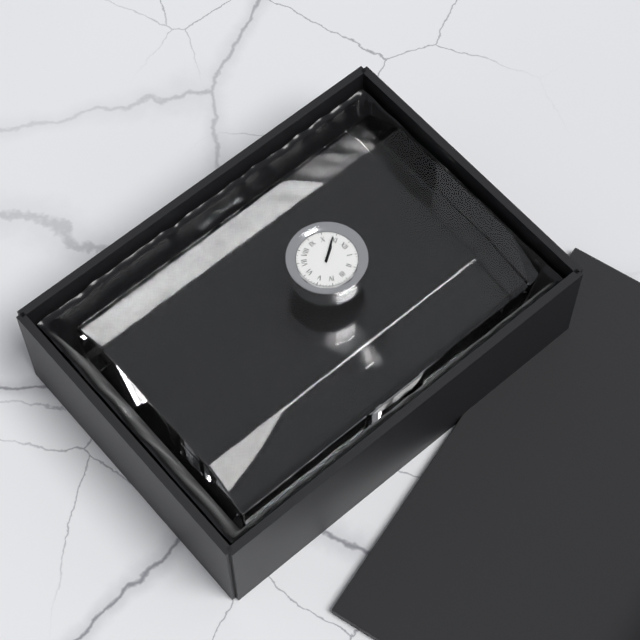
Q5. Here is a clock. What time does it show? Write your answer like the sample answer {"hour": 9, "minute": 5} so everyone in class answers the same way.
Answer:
{"hour": 10, "minute": 54}
